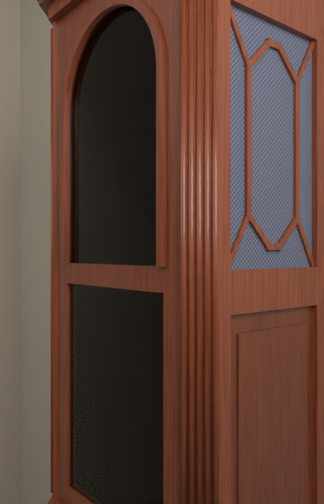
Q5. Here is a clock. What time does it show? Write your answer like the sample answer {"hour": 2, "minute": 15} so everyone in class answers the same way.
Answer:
{"hour": 3, "minute": 27}
